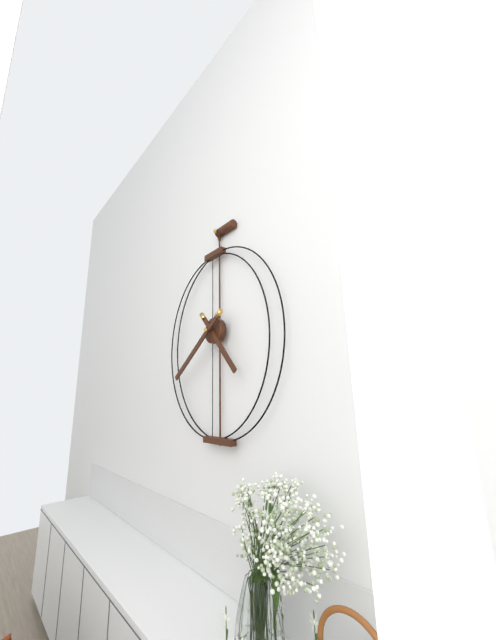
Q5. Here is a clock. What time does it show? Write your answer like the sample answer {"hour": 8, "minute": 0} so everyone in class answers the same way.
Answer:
{"hour": 4, "minute": 39}
